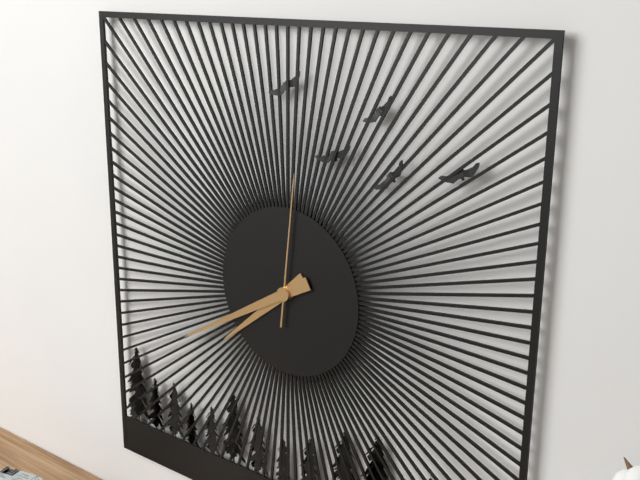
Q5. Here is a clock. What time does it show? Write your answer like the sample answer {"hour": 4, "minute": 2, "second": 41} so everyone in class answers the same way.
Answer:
{"hour": 7, "minute": 40, "second": 1}
